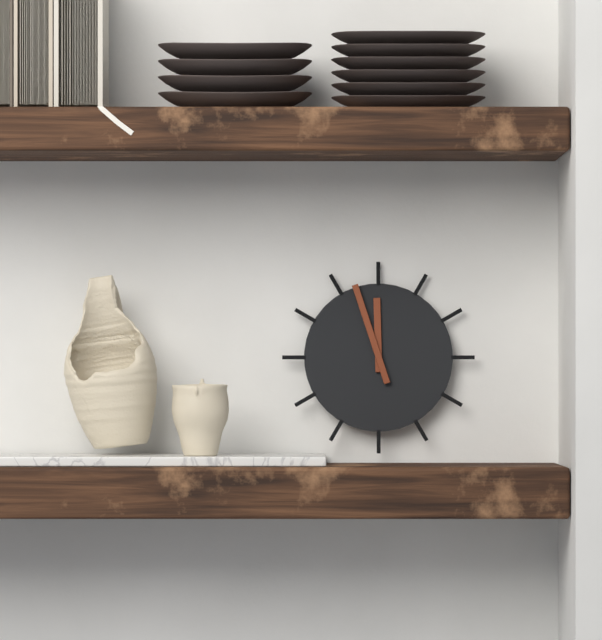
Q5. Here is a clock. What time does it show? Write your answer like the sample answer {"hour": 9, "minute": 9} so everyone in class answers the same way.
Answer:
{"hour": 11, "minute": 57}
